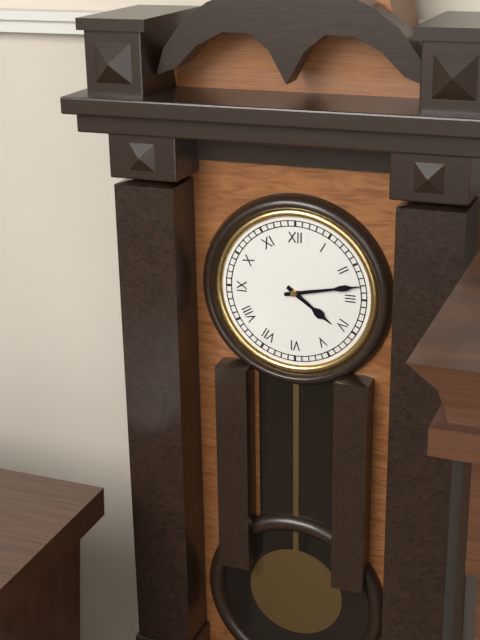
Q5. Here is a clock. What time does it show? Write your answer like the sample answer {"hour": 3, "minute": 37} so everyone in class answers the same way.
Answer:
{"hour": 4, "minute": 13}
